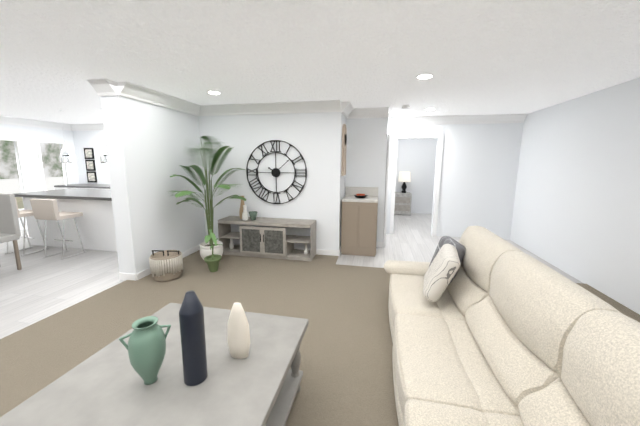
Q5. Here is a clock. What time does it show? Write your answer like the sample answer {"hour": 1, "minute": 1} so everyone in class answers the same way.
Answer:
{"hour": 10, "minute": 8}
